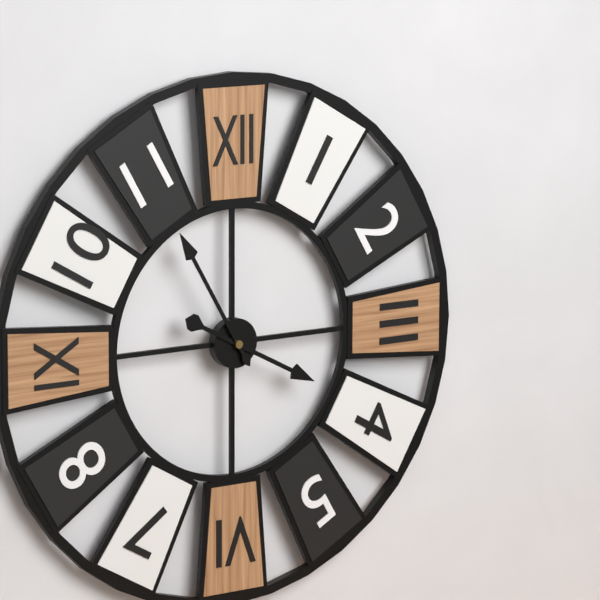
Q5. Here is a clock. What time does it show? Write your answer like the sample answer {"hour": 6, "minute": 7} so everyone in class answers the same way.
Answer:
{"hour": 3, "minute": 55}
